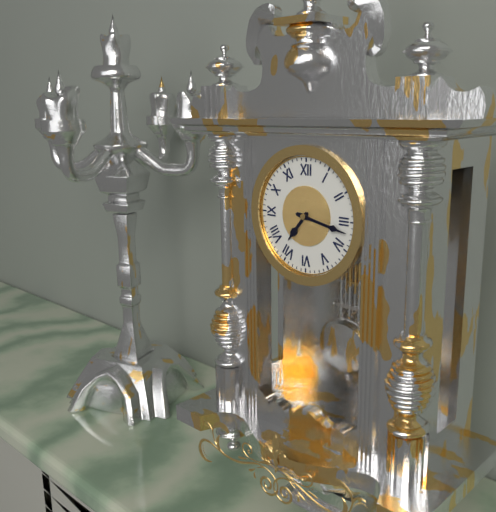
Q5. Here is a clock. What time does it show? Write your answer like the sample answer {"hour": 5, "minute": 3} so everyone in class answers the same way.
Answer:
{"hour": 7, "minute": 17}
